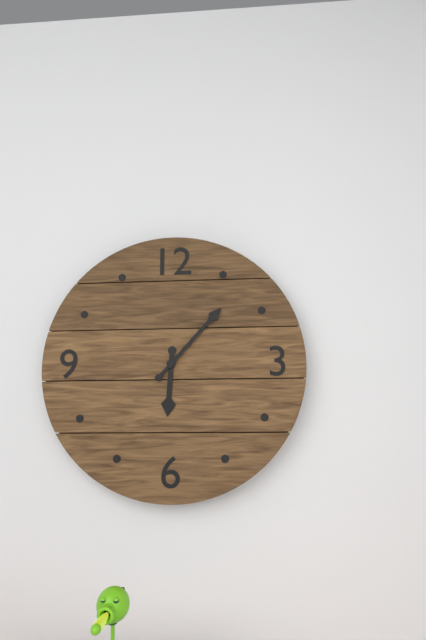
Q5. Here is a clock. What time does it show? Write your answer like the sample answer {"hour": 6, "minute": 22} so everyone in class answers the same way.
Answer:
{"hour": 6, "minute": 7}
